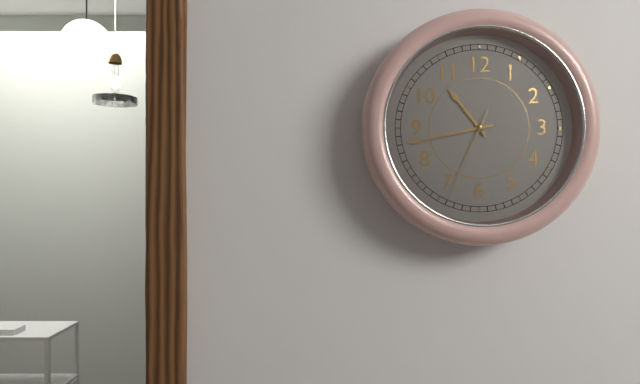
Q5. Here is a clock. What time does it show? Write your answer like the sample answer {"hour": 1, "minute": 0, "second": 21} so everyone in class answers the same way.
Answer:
{"hour": 10, "minute": 43, "second": 34}
